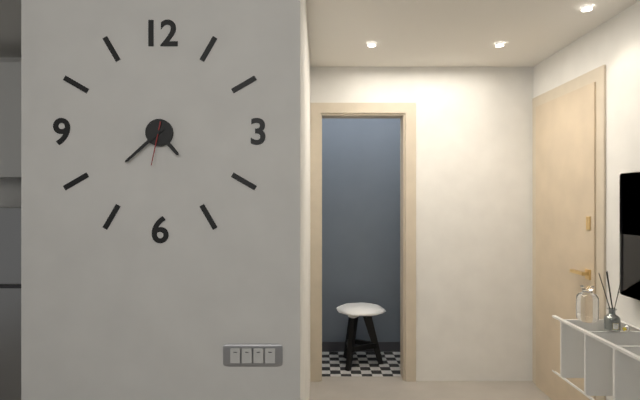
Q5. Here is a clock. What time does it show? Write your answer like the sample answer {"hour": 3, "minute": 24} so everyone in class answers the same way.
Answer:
{"hour": 4, "minute": 38}
